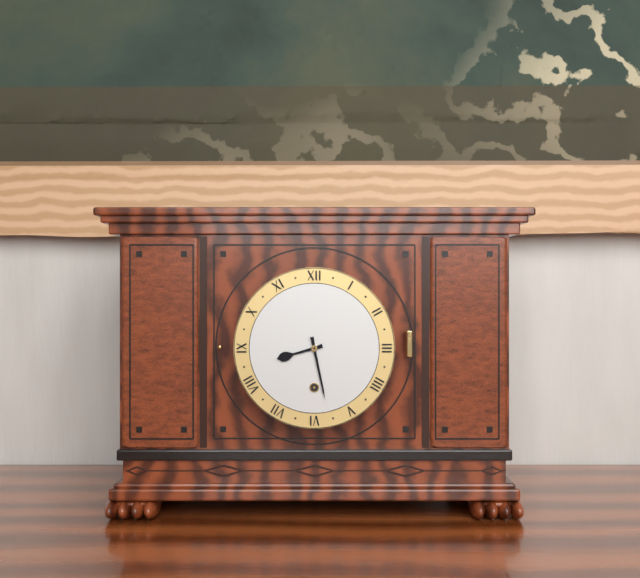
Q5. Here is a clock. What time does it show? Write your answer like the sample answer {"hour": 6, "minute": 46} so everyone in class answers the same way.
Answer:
{"hour": 8, "minute": 28}
